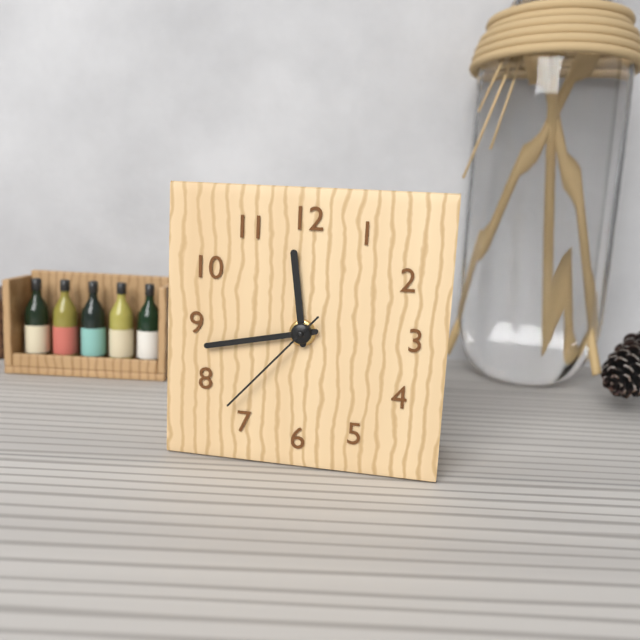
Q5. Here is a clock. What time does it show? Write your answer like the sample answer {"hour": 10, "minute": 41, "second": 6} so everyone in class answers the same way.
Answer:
{"hour": 11, "minute": 43, "second": 37}
